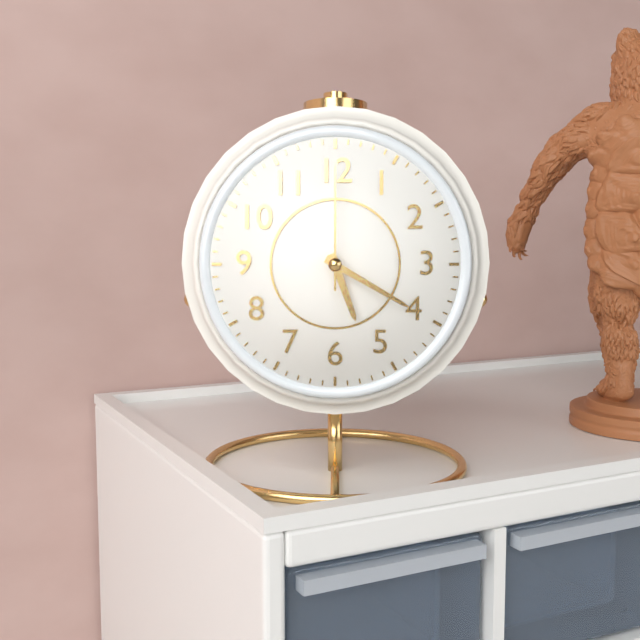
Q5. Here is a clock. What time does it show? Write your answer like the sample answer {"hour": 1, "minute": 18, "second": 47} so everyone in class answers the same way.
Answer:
{"hour": 5, "minute": 20, "second": 0}
